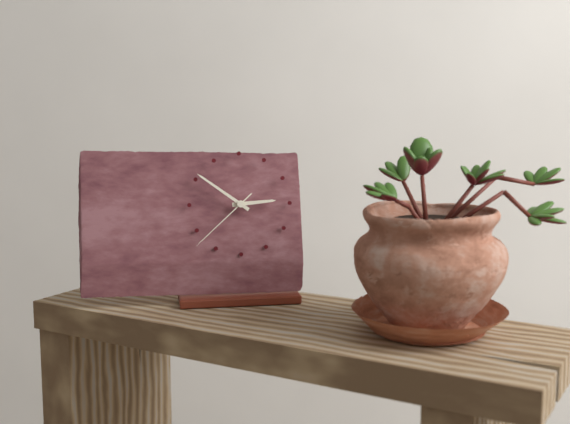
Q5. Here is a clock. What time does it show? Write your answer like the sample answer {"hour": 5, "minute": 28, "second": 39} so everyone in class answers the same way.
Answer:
{"hour": 2, "minute": 51, "second": 38}
